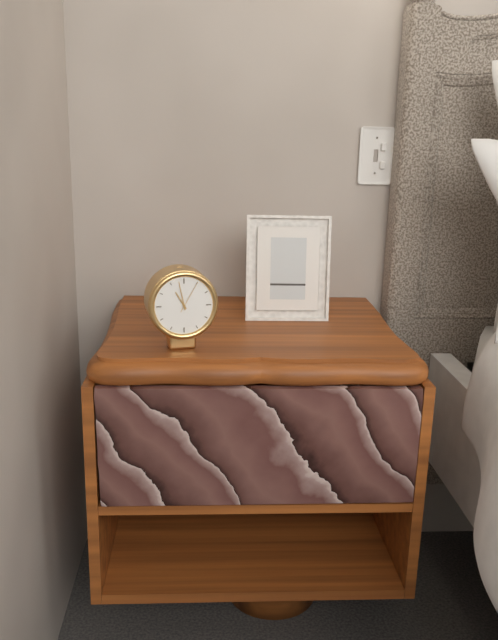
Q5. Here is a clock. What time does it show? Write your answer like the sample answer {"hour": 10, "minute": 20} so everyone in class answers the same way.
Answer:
{"hour": 10, "minute": 58}
